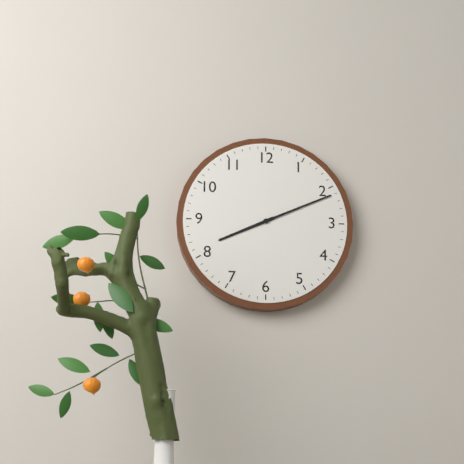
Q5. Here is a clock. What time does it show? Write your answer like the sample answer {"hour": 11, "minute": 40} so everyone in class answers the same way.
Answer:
{"hour": 8, "minute": 11}
